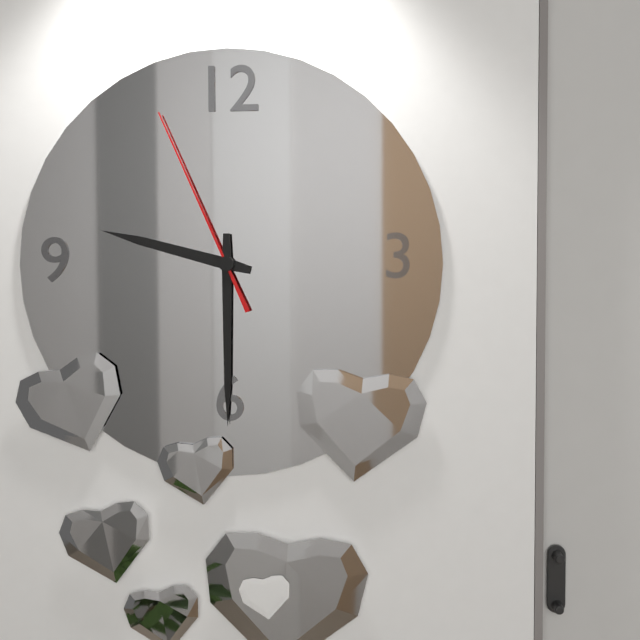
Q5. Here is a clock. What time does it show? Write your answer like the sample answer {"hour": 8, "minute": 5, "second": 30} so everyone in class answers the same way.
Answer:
{"hour": 9, "minute": 30, "second": 56}
